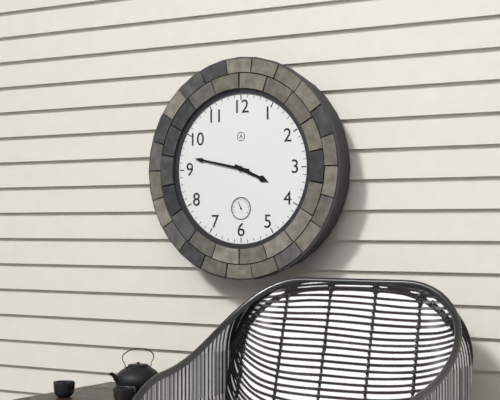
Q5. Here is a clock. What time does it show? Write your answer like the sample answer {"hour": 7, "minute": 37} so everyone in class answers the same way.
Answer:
{"hour": 3, "minute": 47}
